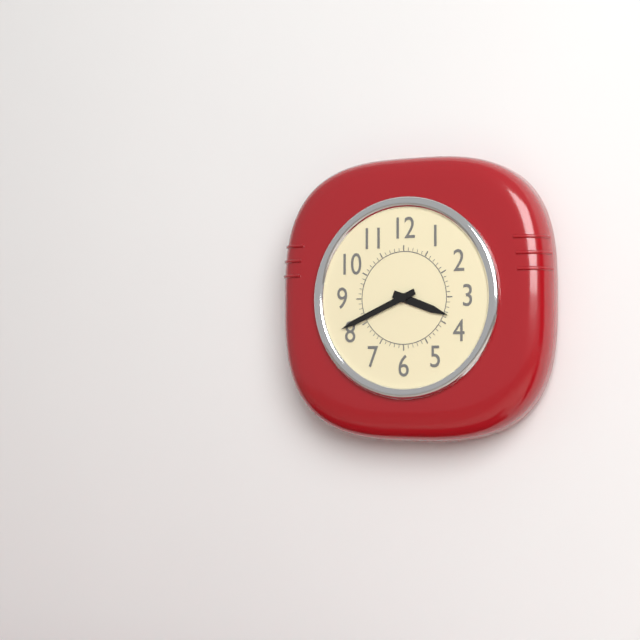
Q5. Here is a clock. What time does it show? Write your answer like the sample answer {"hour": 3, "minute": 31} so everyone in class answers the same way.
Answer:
{"hour": 3, "minute": 41}
